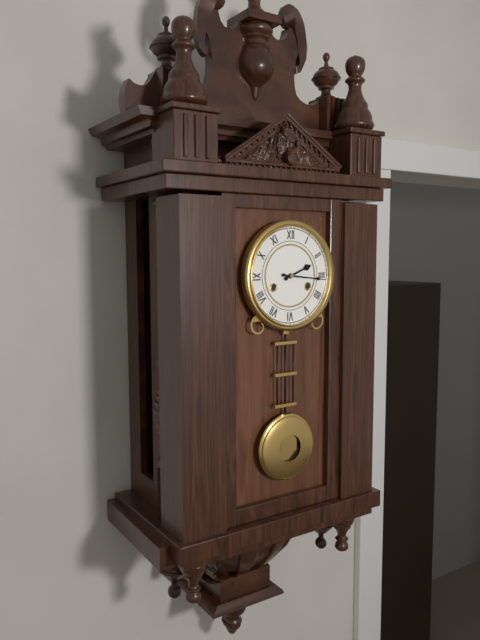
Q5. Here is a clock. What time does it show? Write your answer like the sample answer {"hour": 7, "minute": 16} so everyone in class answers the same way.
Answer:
{"hour": 2, "minute": 16}
